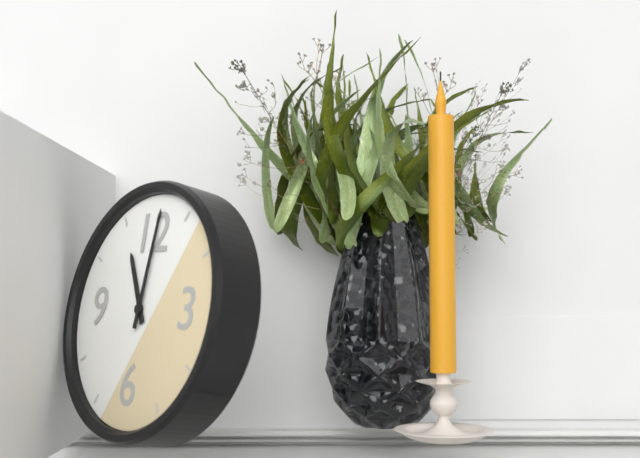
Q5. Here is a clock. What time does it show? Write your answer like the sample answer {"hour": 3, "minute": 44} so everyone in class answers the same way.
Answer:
{"hour": 11, "minute": 1}
